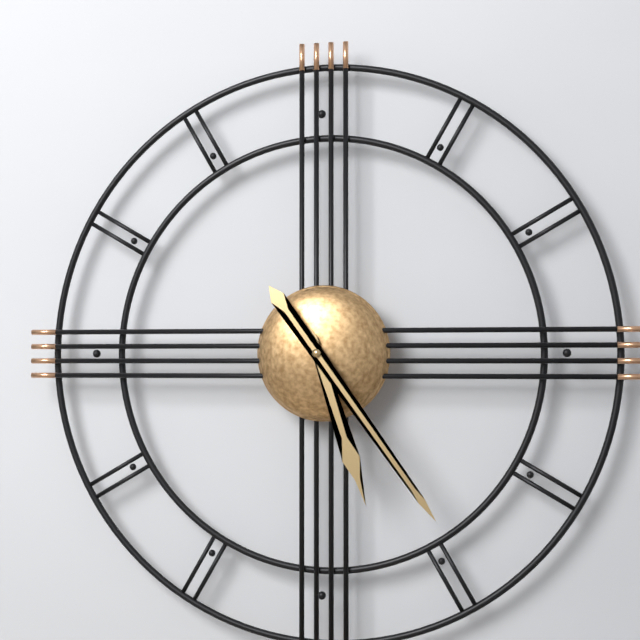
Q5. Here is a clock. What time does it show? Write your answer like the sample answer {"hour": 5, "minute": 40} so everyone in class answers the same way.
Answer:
{"hour": 5, "minute": 24}
